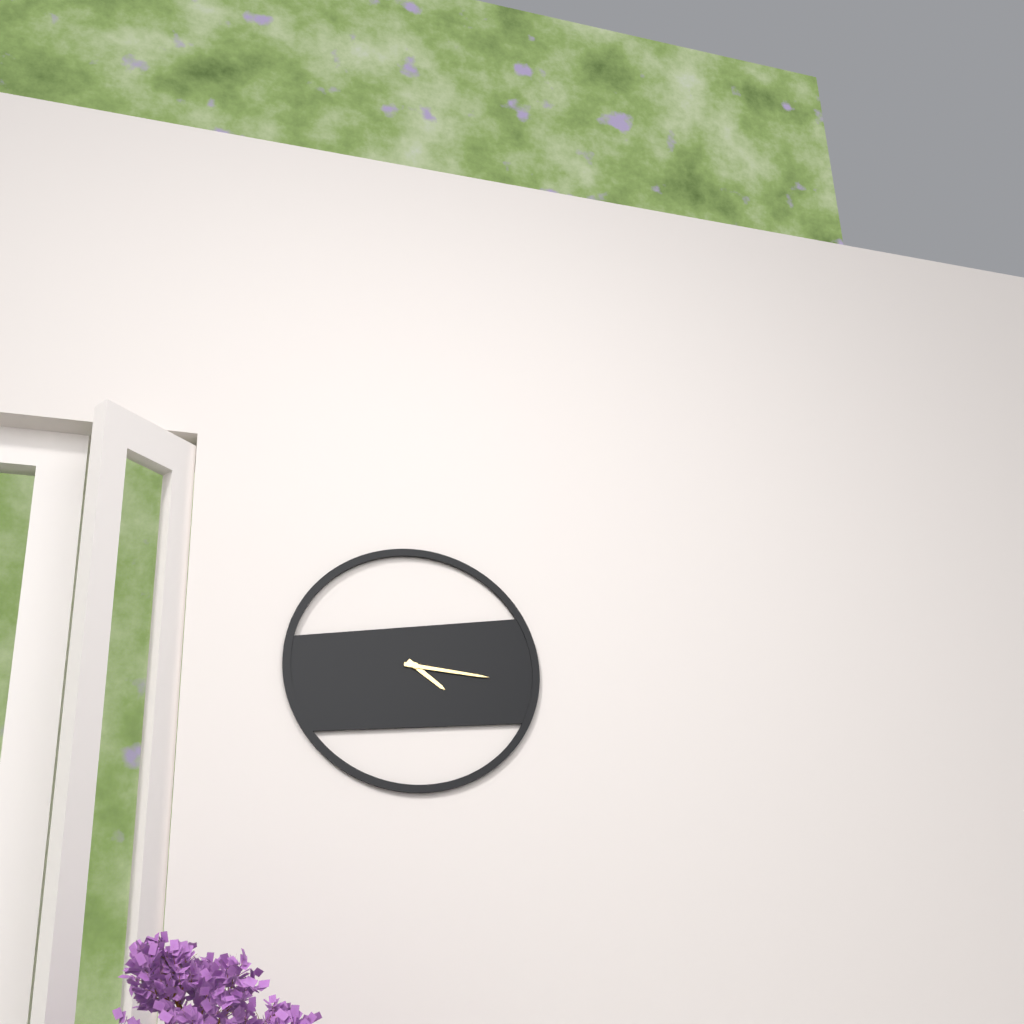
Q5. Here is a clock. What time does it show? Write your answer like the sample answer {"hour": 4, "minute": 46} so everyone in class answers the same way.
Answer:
{"hour": 4, "minute": 16}
